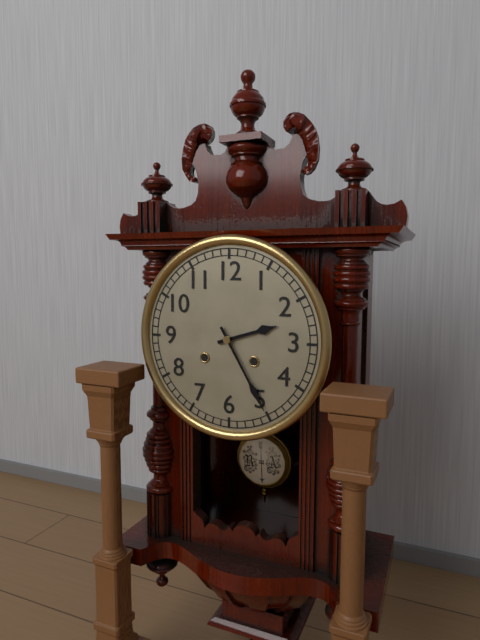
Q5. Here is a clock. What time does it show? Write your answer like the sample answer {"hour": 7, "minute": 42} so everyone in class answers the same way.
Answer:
{"hour": 2, "minute": 25}
